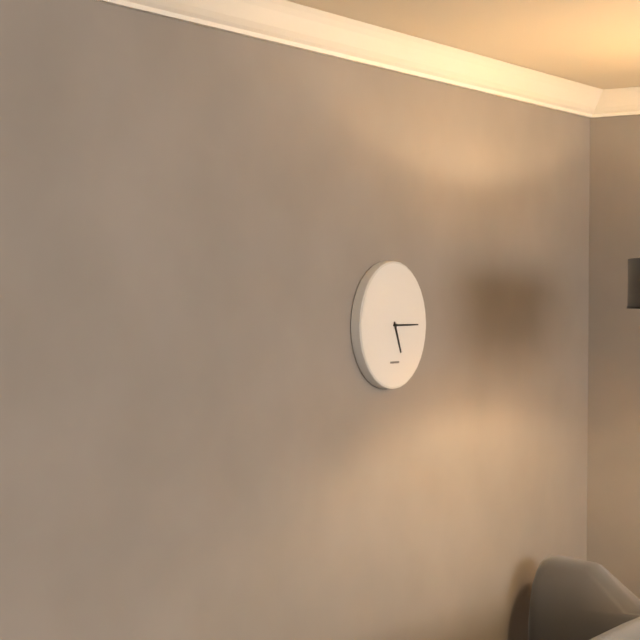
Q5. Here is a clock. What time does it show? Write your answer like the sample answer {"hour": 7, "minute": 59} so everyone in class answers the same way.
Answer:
{"hour": 5, "minute": 15}
